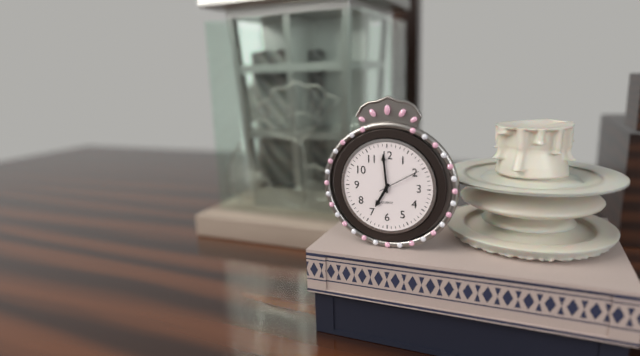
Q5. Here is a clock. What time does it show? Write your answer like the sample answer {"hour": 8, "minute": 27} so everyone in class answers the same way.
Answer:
{"hour": 6, "minute": 59}
